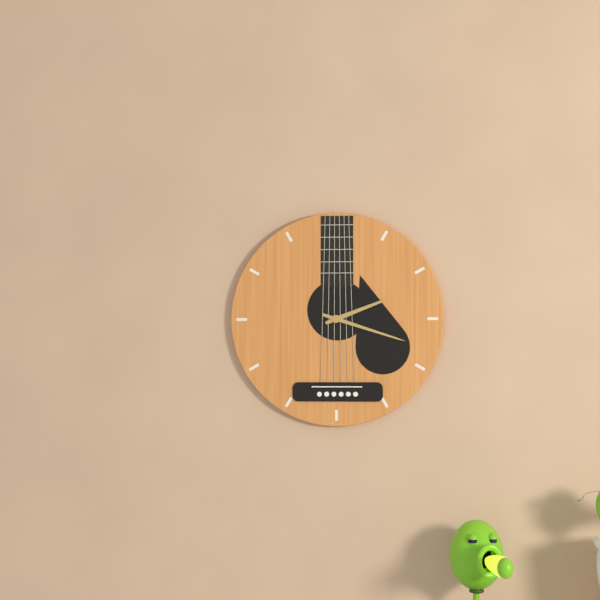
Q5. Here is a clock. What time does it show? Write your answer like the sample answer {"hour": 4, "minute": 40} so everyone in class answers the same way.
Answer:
{"hour": 2, "minute": 18}
